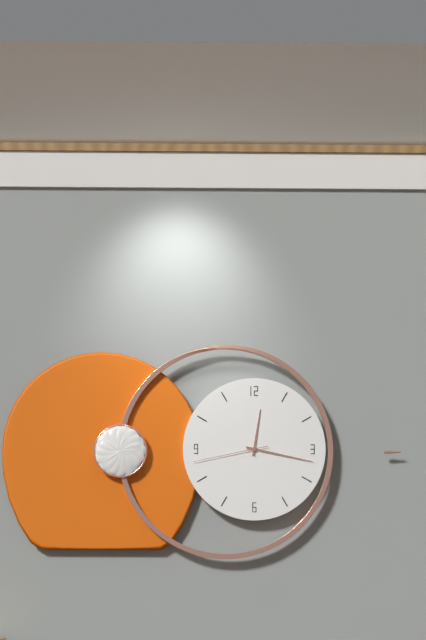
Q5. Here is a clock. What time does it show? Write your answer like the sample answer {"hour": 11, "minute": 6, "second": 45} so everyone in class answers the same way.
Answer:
{"hour": 12, "minute": 17, "second": 43}
